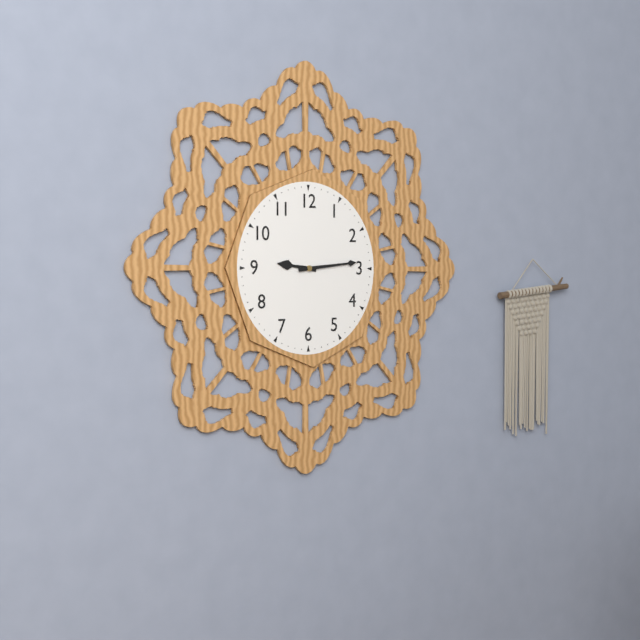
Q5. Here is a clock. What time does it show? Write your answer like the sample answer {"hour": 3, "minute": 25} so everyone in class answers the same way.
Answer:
{"hour": 9, "minute": 14}
